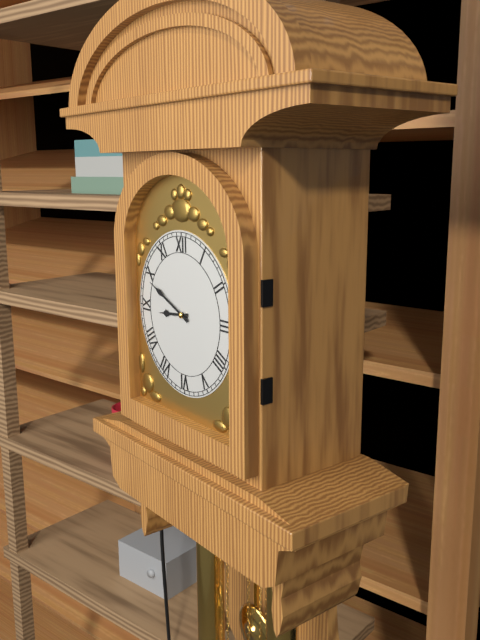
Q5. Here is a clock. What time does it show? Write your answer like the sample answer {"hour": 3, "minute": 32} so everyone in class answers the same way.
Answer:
{"hour": 8, "minute": 49}
